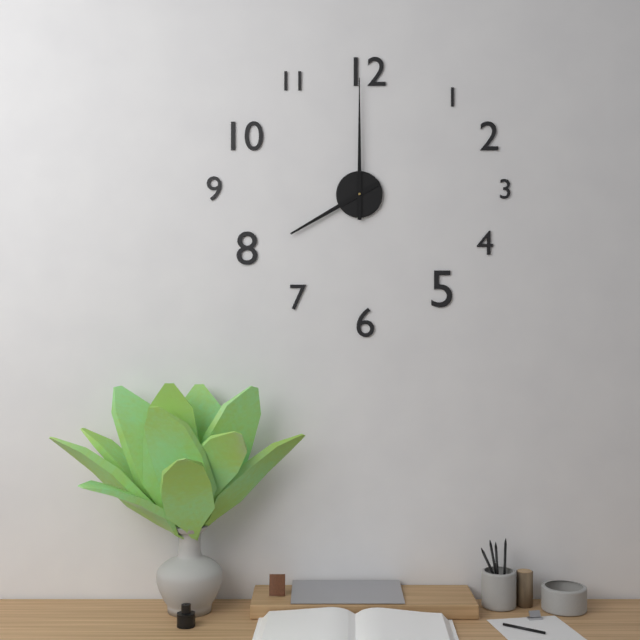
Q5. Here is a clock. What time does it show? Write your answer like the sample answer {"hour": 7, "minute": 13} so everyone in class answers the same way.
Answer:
{"hour": 8, "minute": 0}
